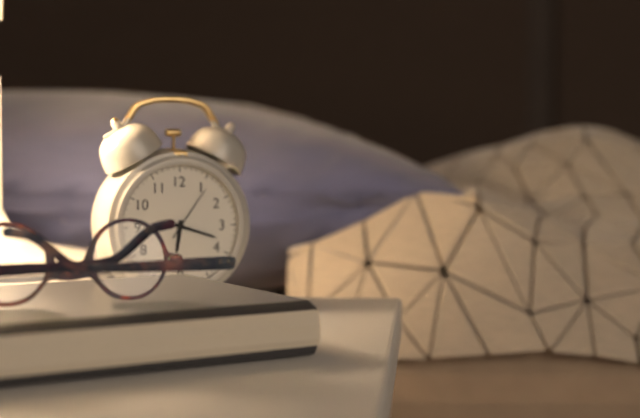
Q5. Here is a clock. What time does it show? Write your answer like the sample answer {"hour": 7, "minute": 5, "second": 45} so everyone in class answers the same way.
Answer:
{"hour": 6, "minute": 18, "second": 6}
